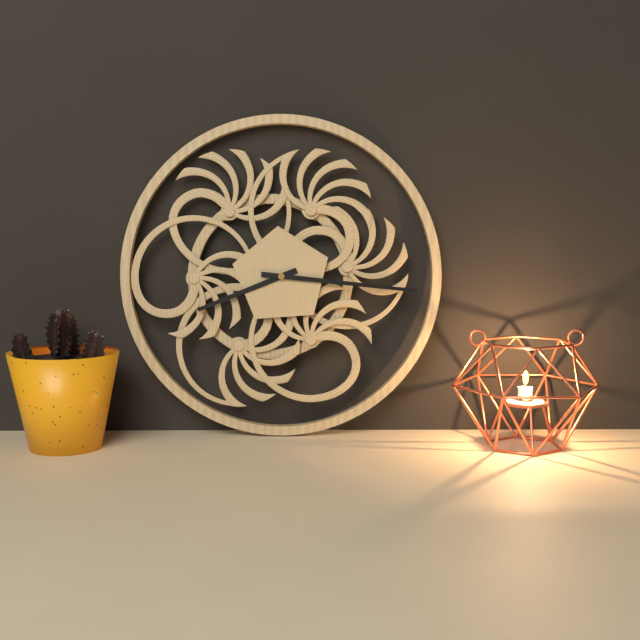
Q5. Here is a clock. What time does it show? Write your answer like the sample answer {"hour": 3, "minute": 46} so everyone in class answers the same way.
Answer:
{"hour": 8, "minute": 16}
